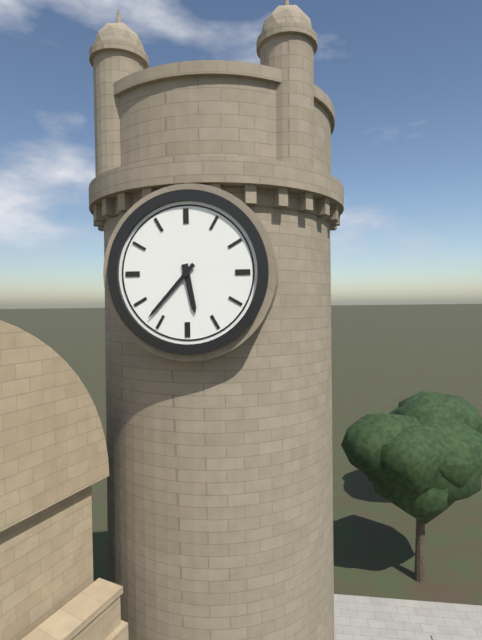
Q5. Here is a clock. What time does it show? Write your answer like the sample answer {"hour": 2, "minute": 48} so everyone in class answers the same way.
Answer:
{"hour": 5, "minute": 37}
